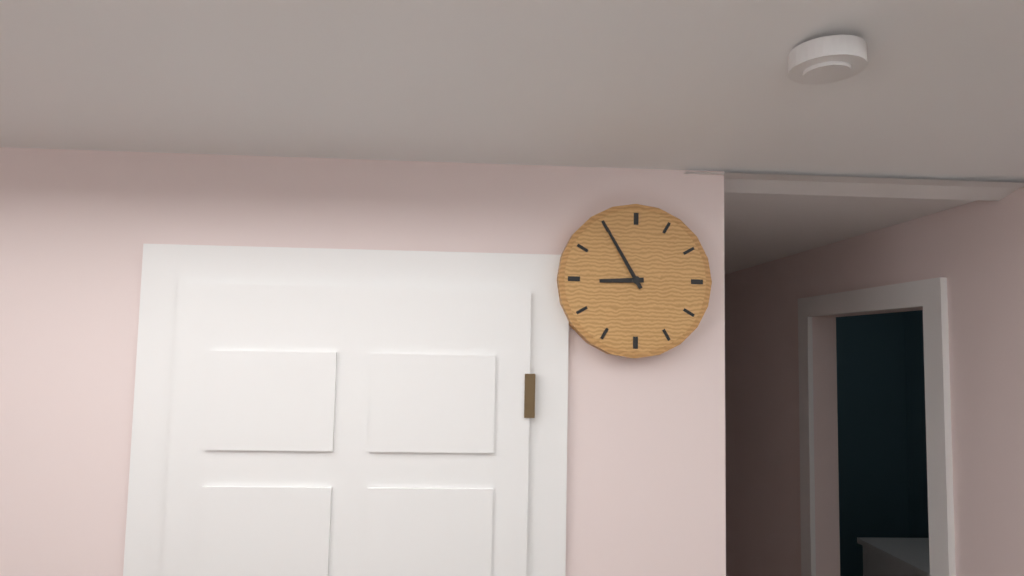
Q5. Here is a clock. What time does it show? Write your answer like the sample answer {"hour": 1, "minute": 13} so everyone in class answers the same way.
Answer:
{"hour": 8, "minute": 55}
